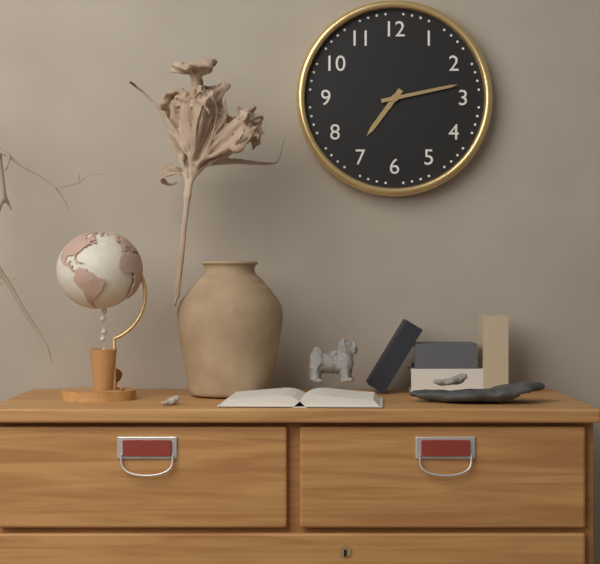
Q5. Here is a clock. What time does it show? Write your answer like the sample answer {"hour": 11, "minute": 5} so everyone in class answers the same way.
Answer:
{"hour": 7, "minute": 13}
